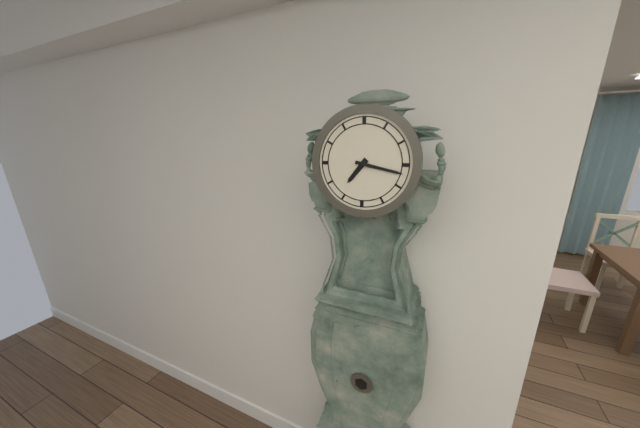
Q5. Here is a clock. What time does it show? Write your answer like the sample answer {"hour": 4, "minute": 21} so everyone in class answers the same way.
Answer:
{"hour": 7, "minute": 17}
